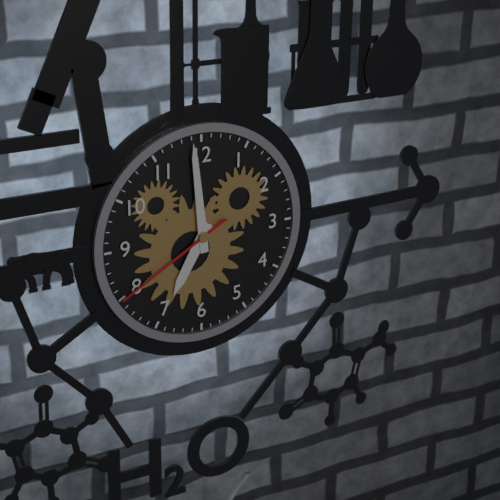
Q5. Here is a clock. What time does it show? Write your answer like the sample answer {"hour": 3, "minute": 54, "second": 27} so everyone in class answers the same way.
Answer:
{"hour": 6, "minute": 59, "second": 40}
